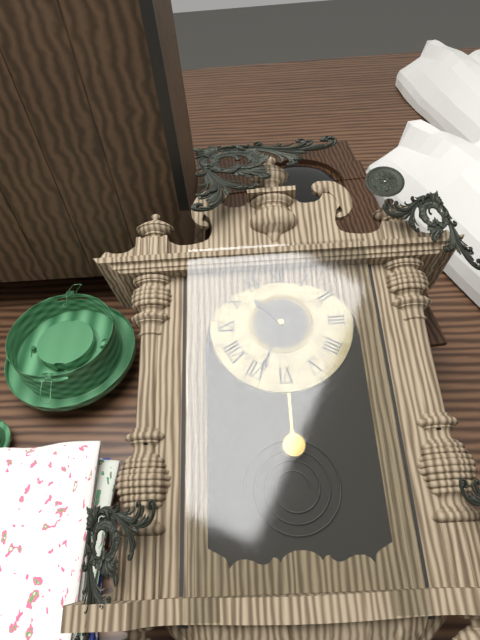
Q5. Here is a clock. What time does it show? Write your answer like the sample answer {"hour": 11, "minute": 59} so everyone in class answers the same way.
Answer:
{"hour": 10, "minute": 34}
